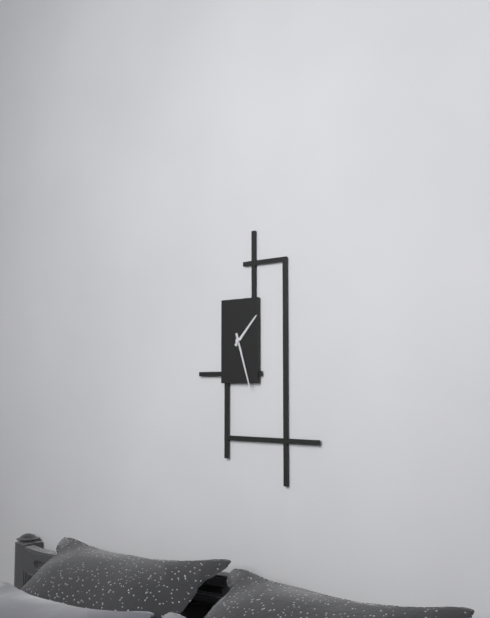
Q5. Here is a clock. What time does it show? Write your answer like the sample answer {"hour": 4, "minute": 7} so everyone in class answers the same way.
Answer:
{"hour": 1, "minute": 27}
